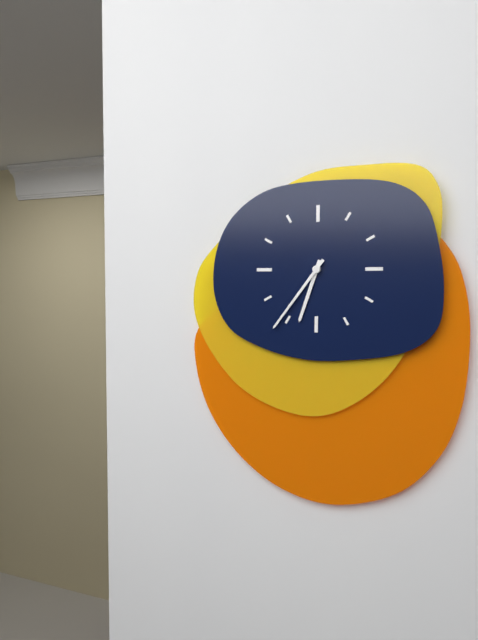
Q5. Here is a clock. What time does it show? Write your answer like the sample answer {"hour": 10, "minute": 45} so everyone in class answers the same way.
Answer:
{"hour": 6, "minute": 36}
